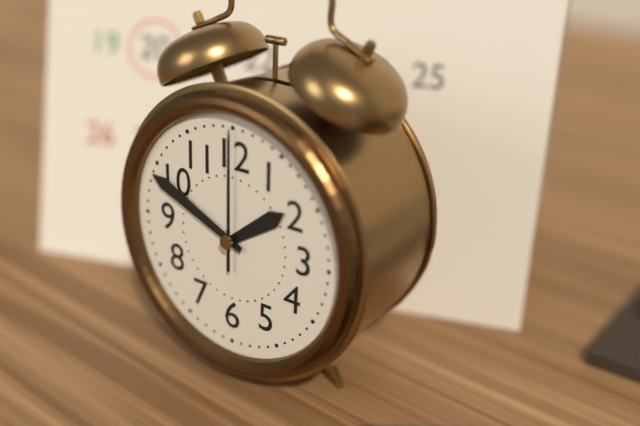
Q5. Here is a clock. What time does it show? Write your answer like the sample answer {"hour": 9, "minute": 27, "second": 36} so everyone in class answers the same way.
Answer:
{"hour": 1, "minute": 49, "second": 0}
